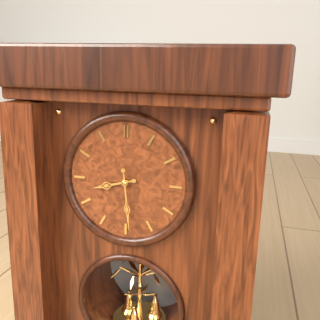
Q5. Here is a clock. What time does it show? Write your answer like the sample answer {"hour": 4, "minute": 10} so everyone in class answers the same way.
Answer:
{"hour": 8, "minute": 29}
